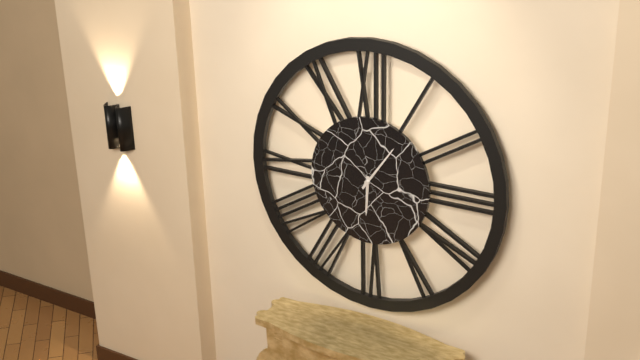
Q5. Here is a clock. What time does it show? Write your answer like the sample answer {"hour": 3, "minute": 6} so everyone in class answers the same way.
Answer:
{"hour": 6, "minute": 6}
